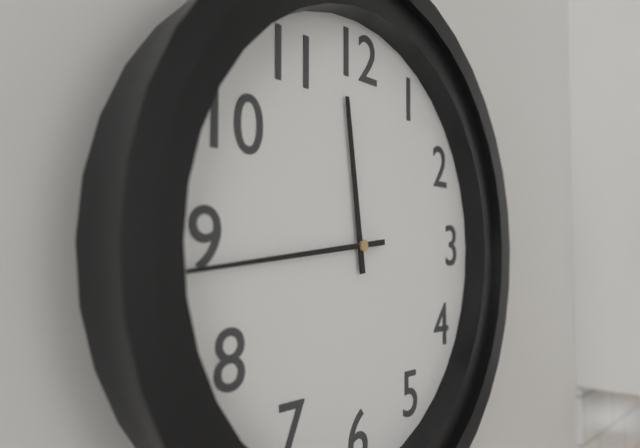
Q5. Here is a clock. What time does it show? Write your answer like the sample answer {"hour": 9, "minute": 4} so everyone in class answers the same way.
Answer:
{"hour": 11, "minute": 44}
